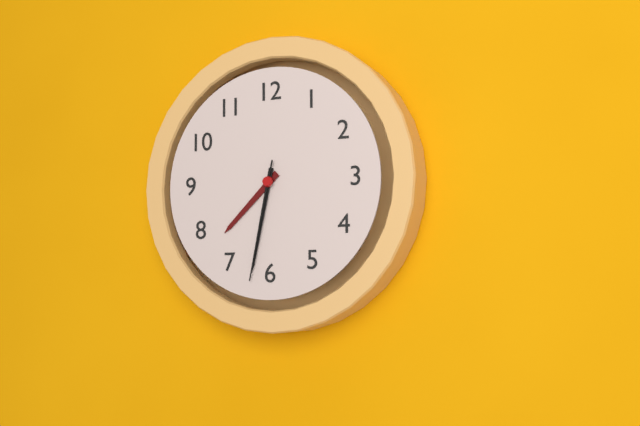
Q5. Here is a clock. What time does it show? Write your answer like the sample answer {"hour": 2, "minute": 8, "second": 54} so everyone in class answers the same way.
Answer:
{"hour": 7, "minute": 32, "second": 32}
